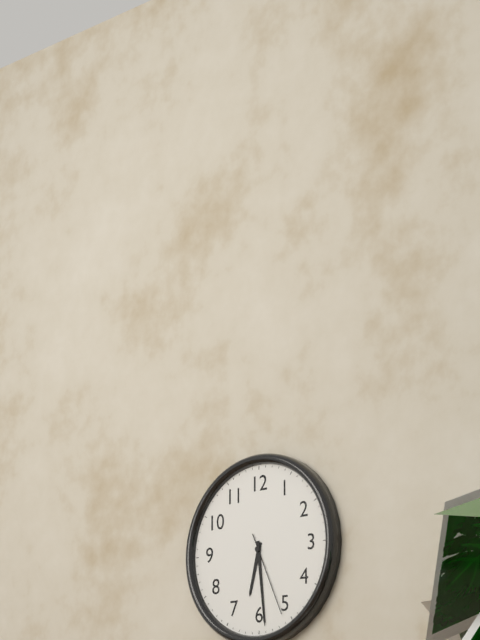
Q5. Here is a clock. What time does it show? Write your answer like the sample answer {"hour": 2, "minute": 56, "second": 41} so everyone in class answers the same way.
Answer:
{"hour": 6, "minute": 29, "second": 26}
